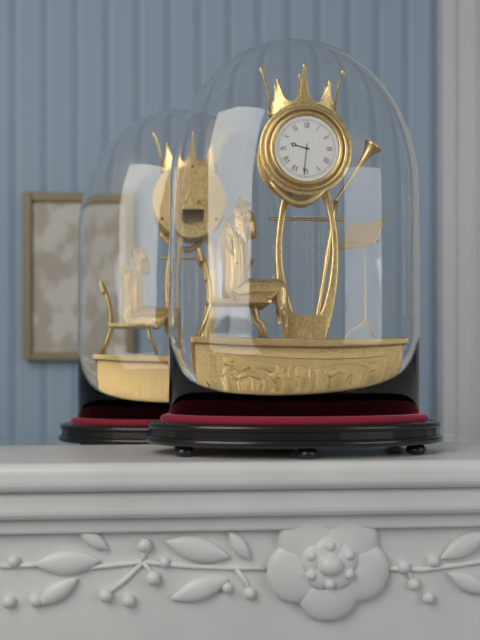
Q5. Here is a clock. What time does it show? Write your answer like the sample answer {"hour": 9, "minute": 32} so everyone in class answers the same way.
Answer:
{"hour": 9, "minute": 31}
